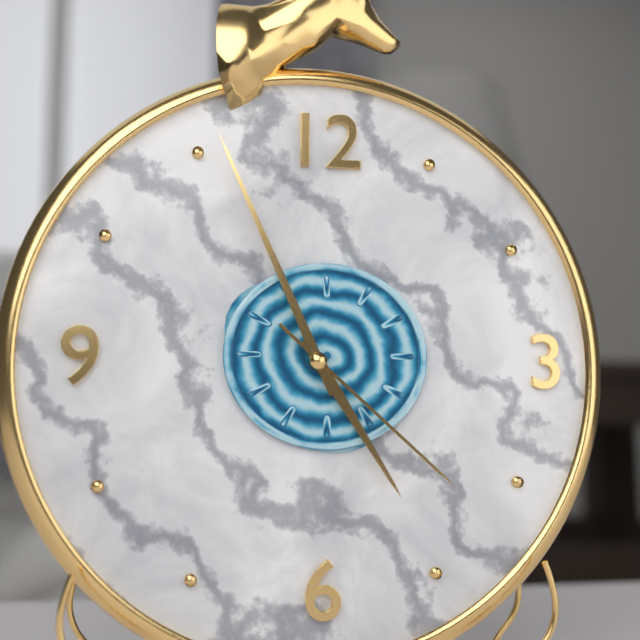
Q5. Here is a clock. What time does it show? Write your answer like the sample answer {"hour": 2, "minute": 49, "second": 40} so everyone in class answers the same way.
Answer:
{"hour": 4, "minute": 56, "second": 22}
